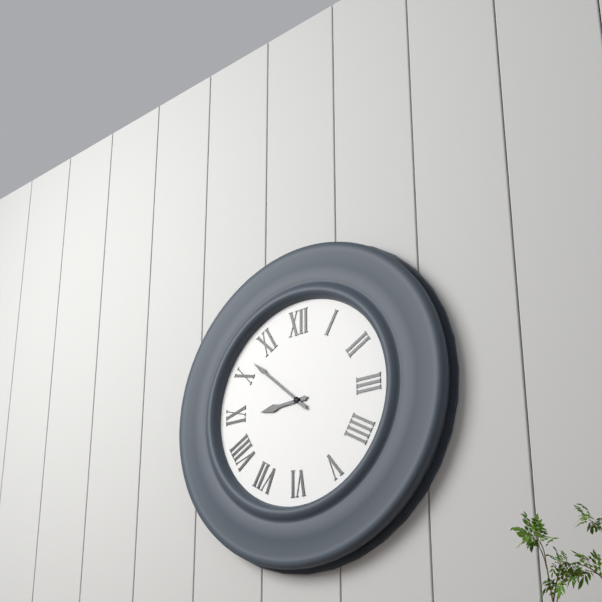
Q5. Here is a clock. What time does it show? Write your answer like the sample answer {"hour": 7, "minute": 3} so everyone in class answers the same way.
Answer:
{"hour": 8, "minute": 52}
